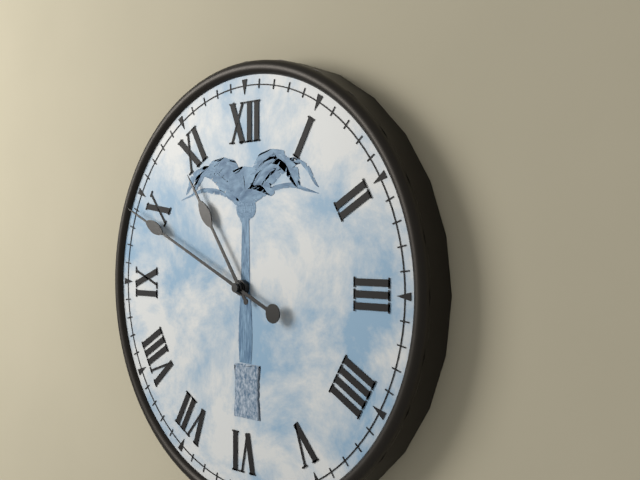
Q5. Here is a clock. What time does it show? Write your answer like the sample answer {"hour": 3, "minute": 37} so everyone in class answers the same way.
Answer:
{"hour": 10, "minute": 49}
